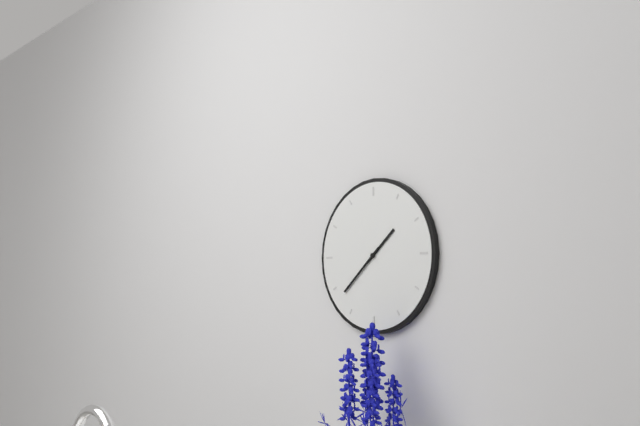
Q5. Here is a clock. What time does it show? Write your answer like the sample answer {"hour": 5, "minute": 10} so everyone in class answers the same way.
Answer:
{"hour": 1, "minute": 38}
